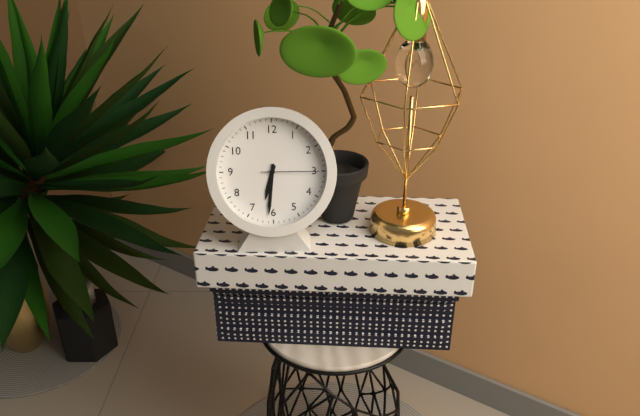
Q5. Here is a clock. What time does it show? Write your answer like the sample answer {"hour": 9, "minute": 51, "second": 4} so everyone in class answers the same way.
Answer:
{"hour": 6, "minute": 31, "second": 15}
